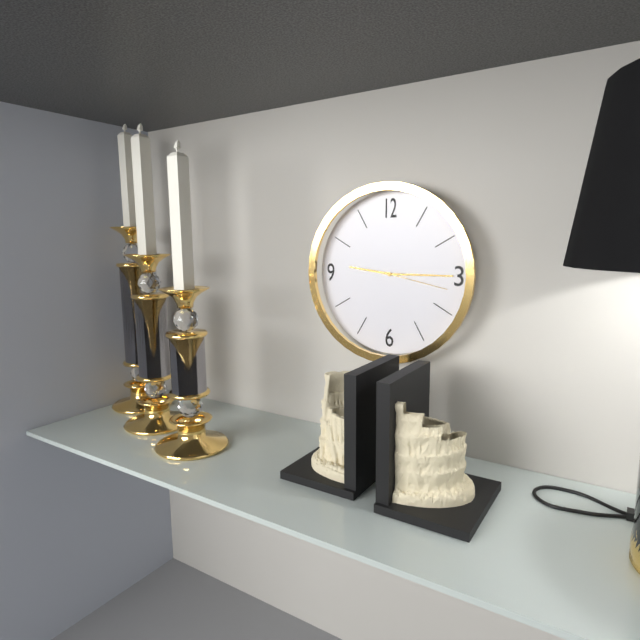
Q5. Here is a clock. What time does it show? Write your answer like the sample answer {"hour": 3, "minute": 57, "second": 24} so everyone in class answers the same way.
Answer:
{"hour": 9, "minute": 15, "second": 17}
